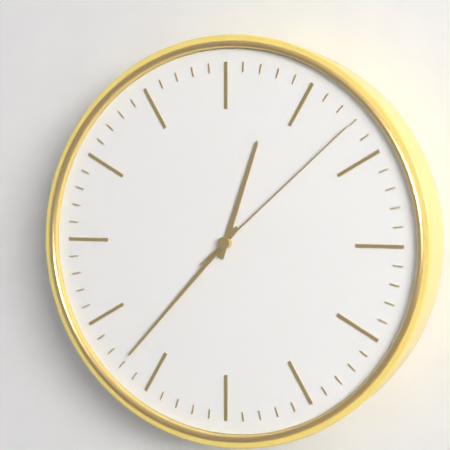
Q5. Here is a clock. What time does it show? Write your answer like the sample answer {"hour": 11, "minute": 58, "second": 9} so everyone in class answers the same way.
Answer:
{"hour": 12, "minute": 37, "second": 8}
